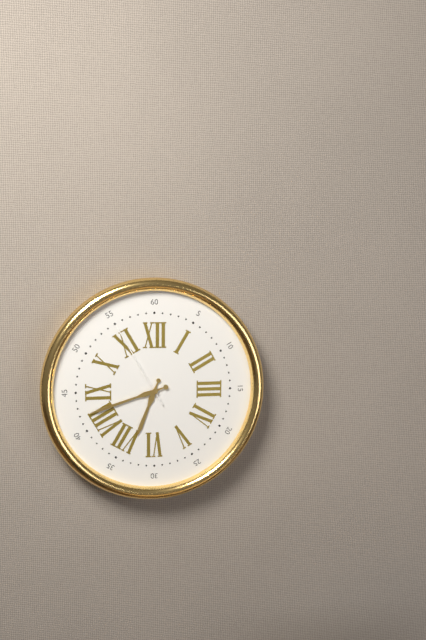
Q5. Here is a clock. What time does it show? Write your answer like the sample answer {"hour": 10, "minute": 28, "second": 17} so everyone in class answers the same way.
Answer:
{"hour": 6, "minute": 42, "second": 55}
